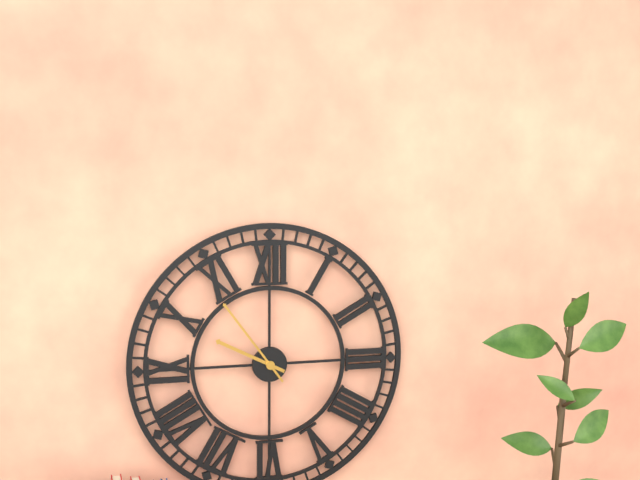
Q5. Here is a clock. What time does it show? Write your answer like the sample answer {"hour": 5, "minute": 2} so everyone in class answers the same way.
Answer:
{"hour": 9, "minute": 54}
